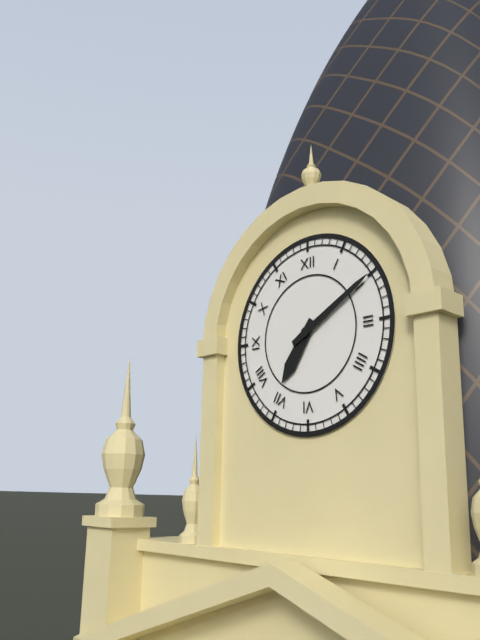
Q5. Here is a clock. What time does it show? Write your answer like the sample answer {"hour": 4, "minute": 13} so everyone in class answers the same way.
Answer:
{"hour": 7, "minute": 10}
